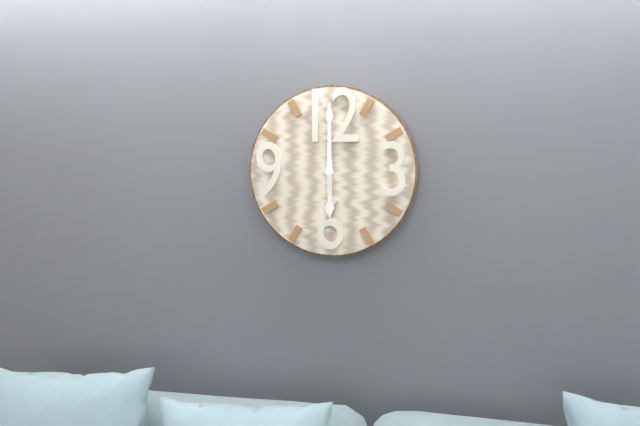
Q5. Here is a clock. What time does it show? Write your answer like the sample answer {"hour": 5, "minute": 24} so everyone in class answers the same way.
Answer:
{"hour": 6, "minute": 0}
